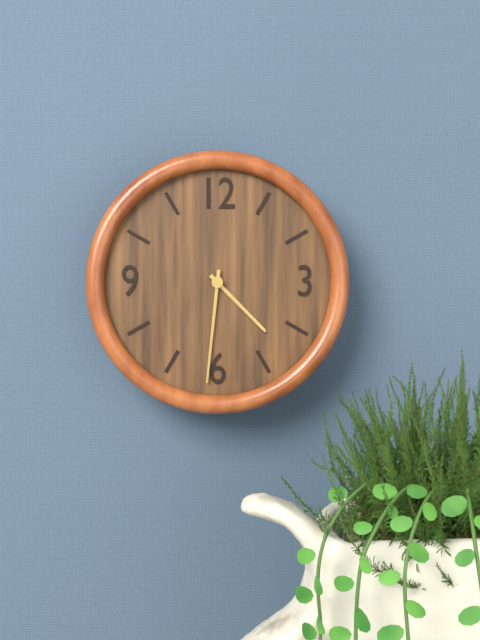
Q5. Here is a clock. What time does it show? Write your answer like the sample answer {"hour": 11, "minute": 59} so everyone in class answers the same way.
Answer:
{"hour": 4, "minute": 31}
